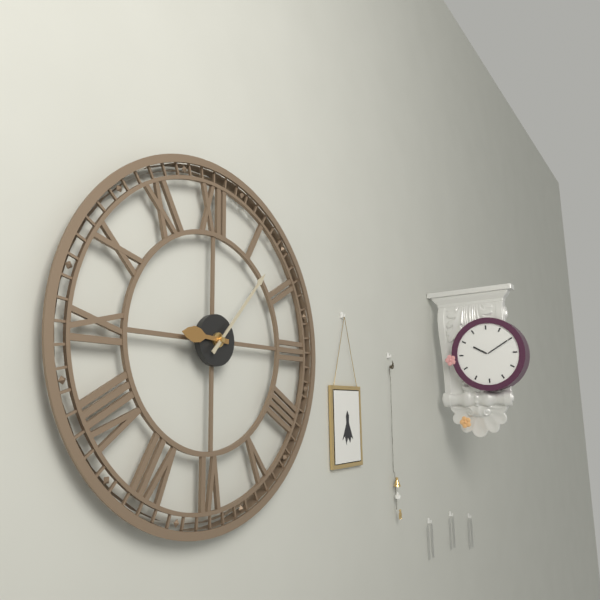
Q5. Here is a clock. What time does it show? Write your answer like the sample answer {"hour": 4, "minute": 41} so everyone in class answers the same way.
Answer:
{"hour": 9, "minute": 7}
